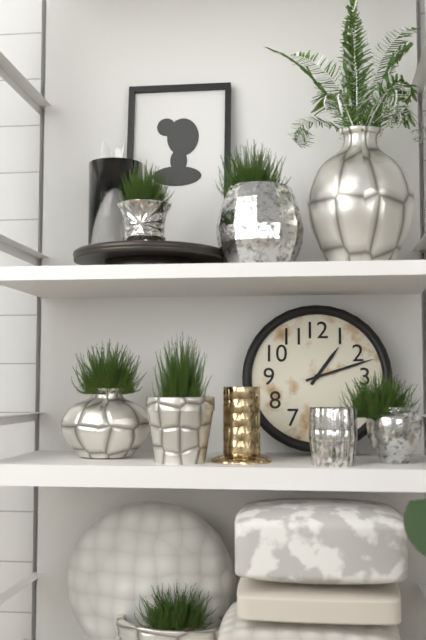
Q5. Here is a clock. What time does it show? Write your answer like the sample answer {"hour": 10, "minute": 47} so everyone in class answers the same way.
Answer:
{"hour": 1, "minute": 12}
